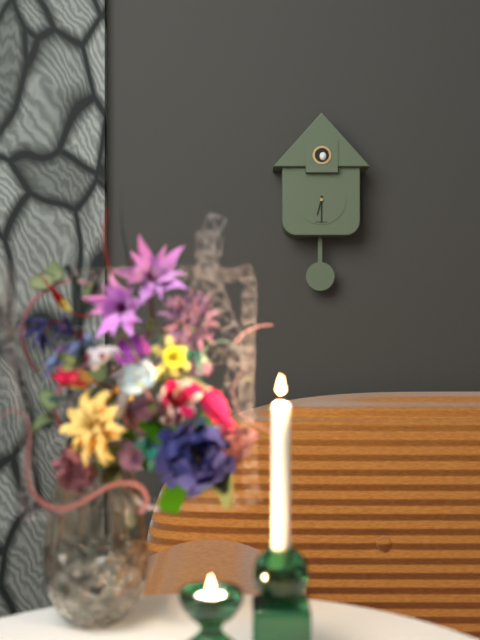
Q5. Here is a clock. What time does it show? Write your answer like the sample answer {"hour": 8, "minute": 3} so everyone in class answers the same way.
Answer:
{"hour": 6, "minute": 30}
